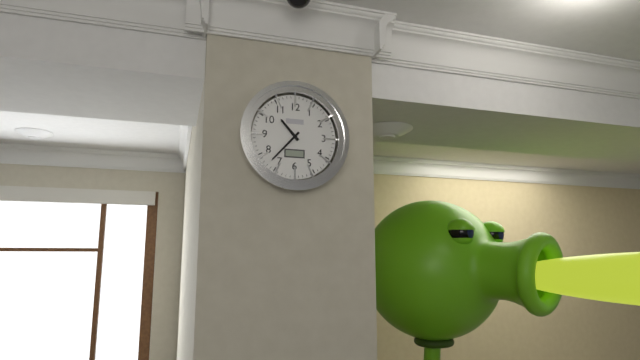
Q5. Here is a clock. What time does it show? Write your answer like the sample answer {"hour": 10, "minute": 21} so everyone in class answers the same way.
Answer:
{"hour": 10, "minute": 37}
